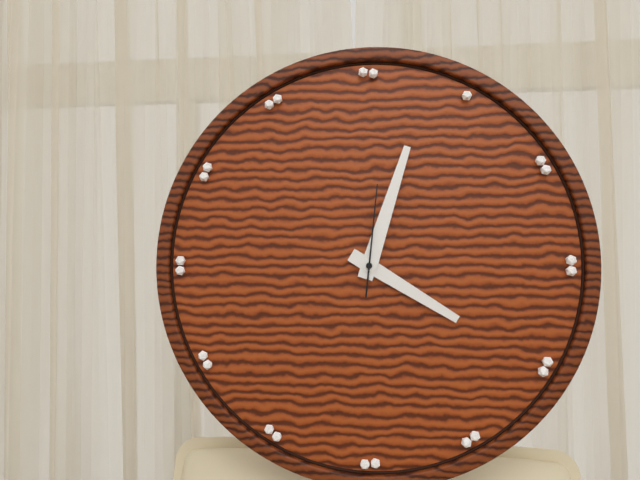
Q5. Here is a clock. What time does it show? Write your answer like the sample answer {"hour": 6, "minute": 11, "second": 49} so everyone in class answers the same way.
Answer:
{"hour": 4, "minute": 3, "second": 1}
